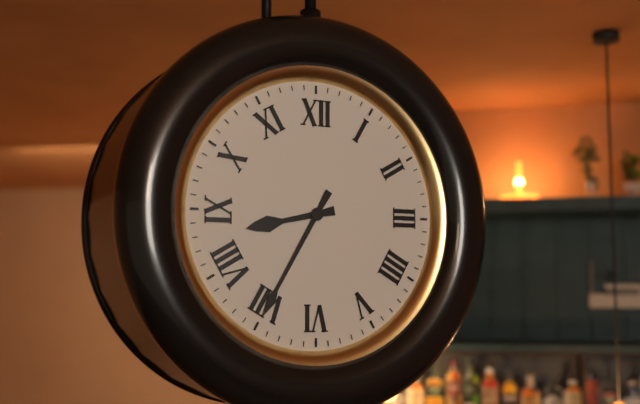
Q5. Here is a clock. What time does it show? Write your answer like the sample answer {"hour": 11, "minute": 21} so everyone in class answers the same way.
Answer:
{"hour": 8, "minute": 35}
